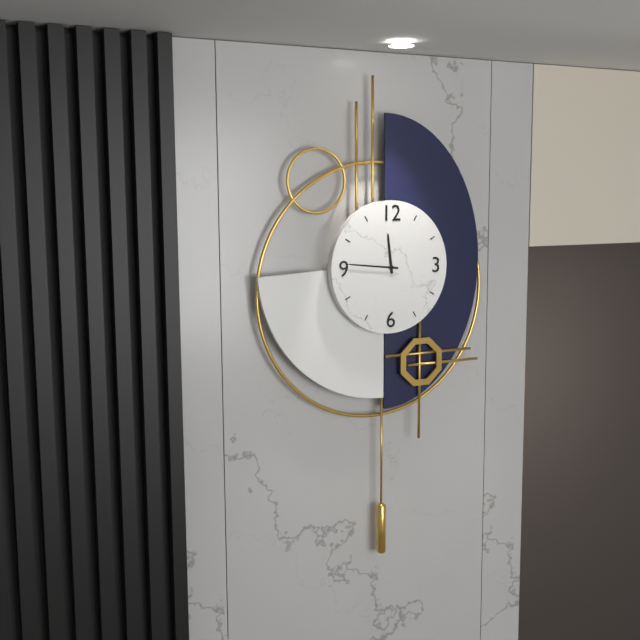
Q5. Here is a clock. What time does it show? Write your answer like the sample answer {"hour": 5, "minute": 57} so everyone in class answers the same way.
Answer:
{"hour": 11, "minute": 46}
